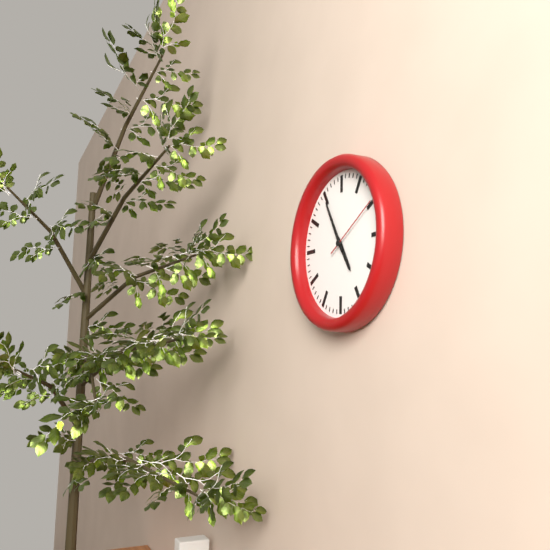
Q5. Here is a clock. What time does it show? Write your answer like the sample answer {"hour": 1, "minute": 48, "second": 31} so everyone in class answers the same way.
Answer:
{"hour": 4, "minute": 55, "second": 10}
